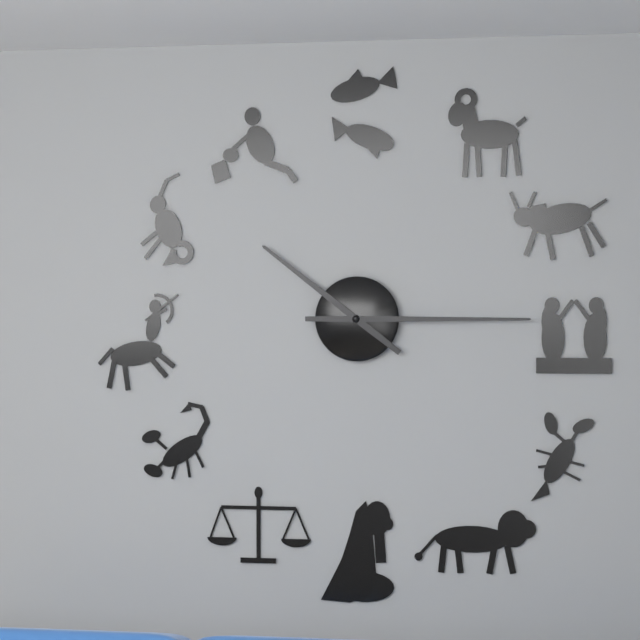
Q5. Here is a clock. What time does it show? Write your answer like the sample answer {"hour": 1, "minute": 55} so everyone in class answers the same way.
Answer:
{"hour": 10, "minute": 15}
